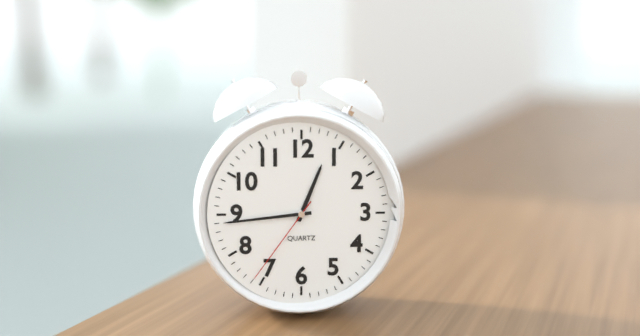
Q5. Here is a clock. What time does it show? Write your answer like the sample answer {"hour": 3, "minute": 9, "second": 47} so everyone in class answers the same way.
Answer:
{"hour": 12, "minute": 44, "second": 36}
